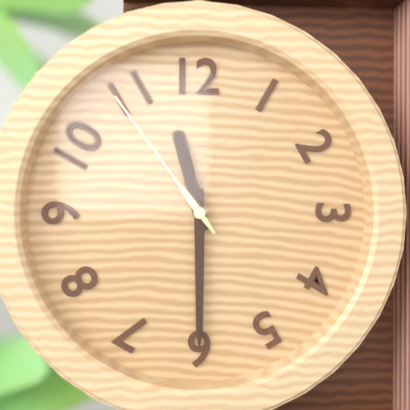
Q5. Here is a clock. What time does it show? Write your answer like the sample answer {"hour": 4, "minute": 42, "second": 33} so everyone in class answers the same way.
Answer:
{"hour": 11, "minute": 30, "second": 54}
